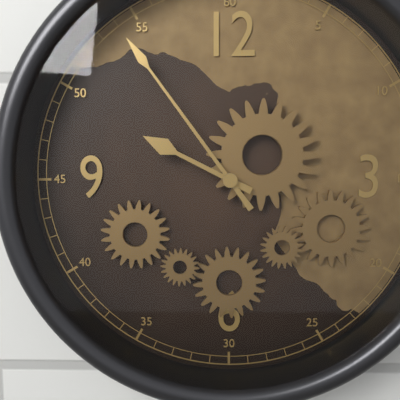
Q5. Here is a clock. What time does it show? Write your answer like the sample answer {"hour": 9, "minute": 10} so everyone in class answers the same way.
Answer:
{"hour": 9, "minute": 54}
